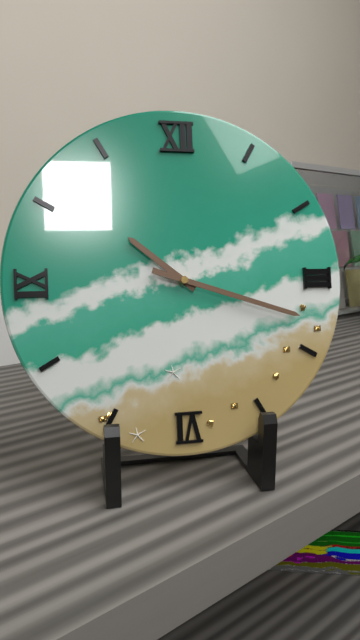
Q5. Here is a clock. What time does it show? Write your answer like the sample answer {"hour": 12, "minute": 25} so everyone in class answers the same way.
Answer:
{"hour": 10, "minute": 18}
